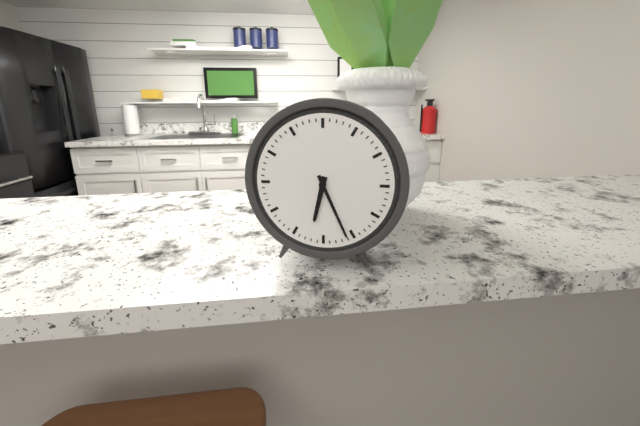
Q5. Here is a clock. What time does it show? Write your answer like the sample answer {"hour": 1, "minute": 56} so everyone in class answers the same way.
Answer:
{"hour": 6, "minute": 26}
